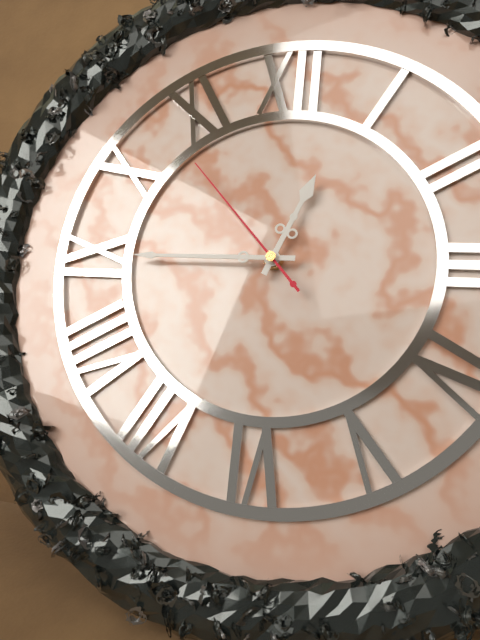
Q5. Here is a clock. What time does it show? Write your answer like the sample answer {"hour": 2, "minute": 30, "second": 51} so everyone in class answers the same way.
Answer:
{"hour": 12, "minute": 45, "second": 53}
